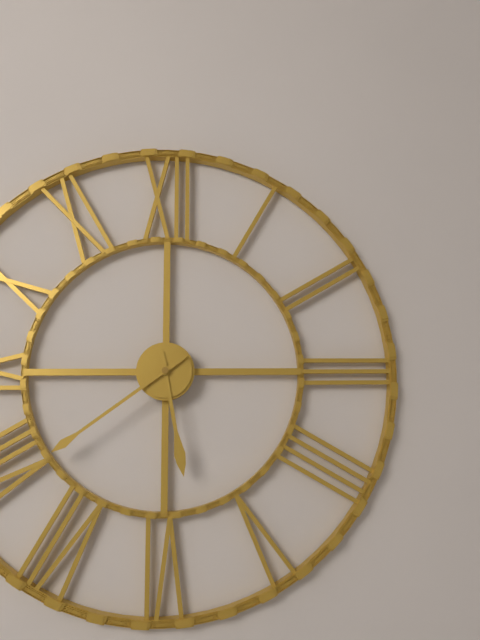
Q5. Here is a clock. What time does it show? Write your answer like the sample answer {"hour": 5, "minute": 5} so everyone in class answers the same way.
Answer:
{"hour": 5, "minute": 39}
